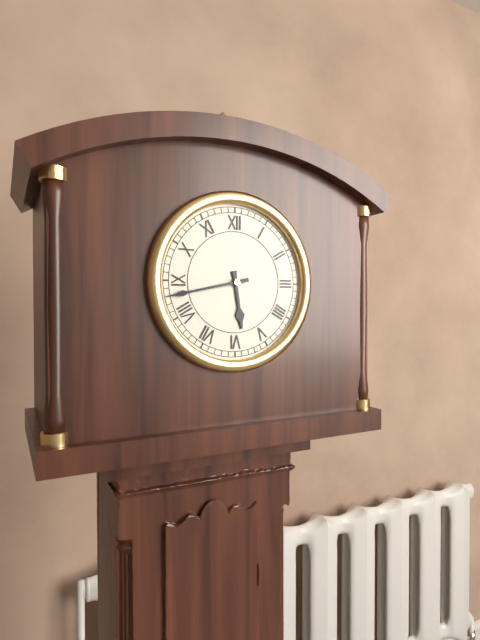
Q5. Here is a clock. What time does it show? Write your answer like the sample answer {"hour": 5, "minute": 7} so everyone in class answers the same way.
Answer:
{"hour": 5, "minute": 43}
